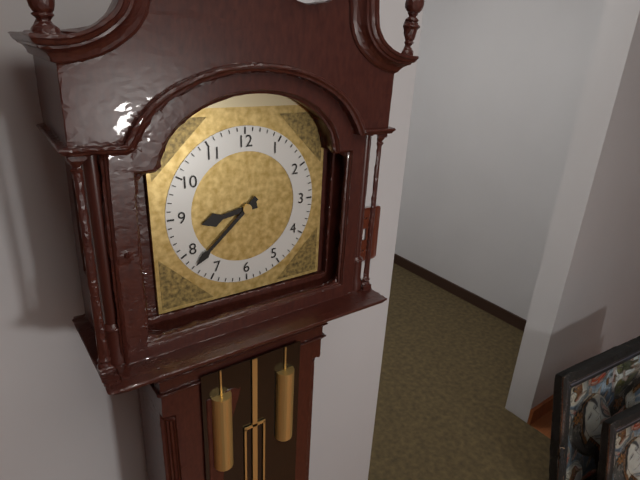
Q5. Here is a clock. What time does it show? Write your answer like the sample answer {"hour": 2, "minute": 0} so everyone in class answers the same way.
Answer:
{"hour": 8, "minute": 38}
